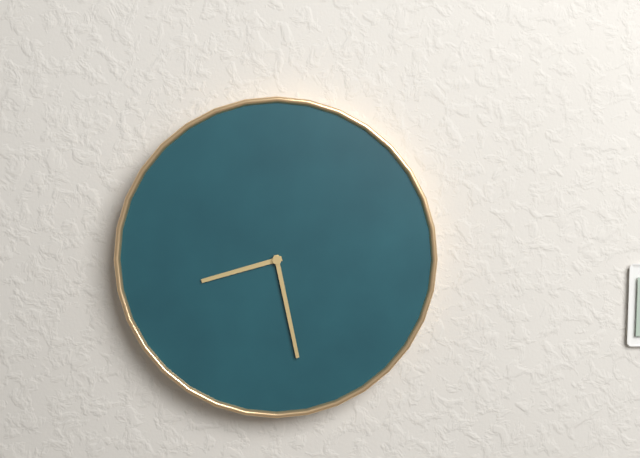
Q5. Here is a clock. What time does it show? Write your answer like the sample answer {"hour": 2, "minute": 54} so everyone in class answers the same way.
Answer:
{"hour": 8, "minute": 28}
